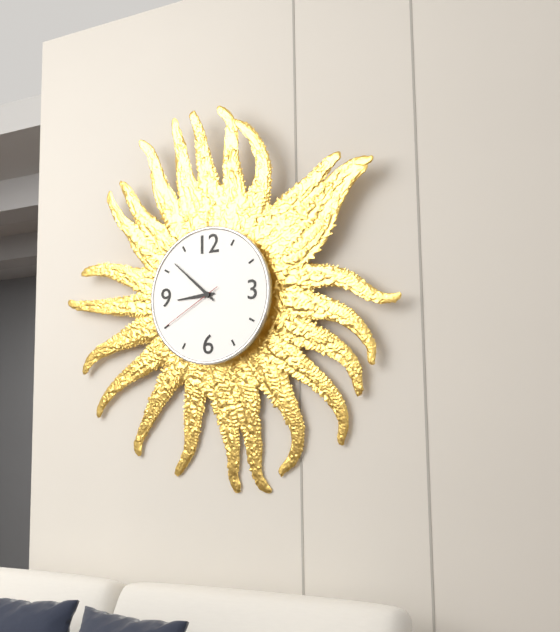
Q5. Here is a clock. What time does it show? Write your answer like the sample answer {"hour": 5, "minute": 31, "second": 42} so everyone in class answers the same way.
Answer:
{"hour": 8, "minute": 52, "second": 40}
